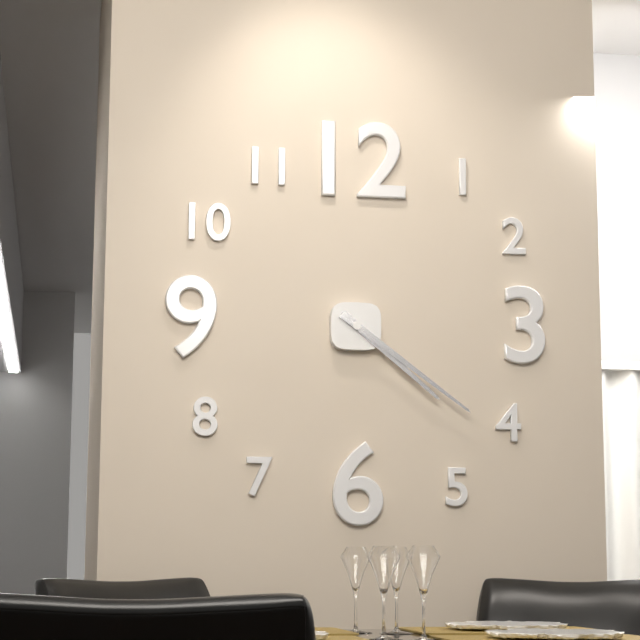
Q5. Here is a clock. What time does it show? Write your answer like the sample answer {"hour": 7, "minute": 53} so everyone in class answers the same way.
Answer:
{"hour": 4, "minute": 21}
